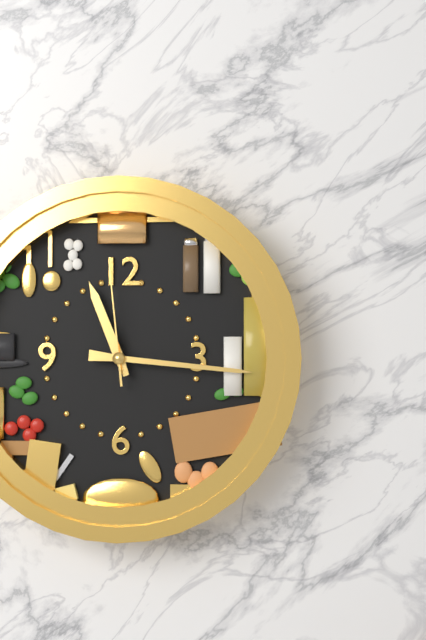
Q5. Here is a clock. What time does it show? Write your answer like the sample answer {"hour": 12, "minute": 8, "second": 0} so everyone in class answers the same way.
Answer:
{"hour": 11, "minute": 16, "second": 59}
